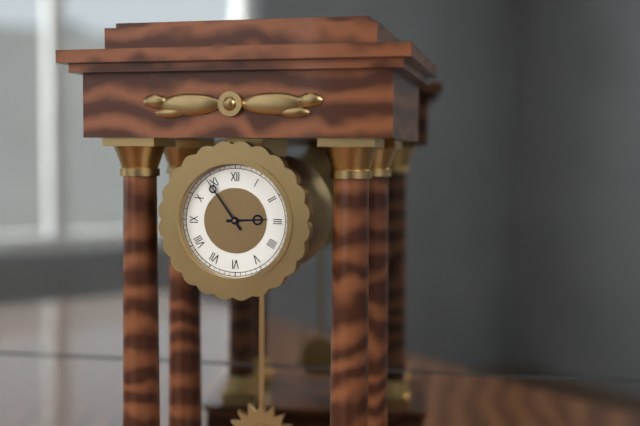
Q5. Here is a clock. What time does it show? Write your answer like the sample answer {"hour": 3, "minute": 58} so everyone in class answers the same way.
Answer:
{"hour": 2, "minute": 54}
